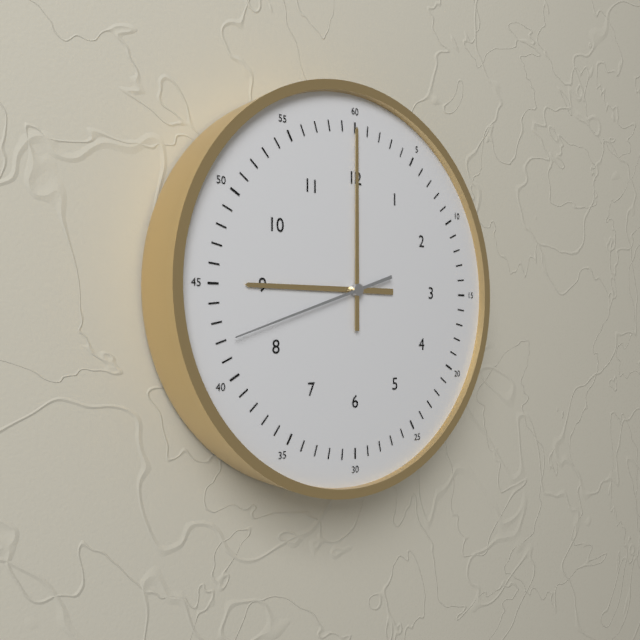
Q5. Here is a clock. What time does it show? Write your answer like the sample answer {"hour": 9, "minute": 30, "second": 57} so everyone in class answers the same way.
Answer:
{"hour": 9, "minute": 0, "second": 42}
